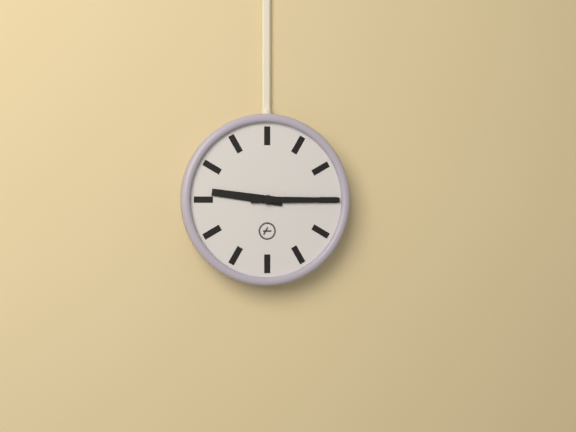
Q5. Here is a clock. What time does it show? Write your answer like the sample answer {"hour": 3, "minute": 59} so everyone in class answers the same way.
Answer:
{"hour": 9, "minute": 15}
